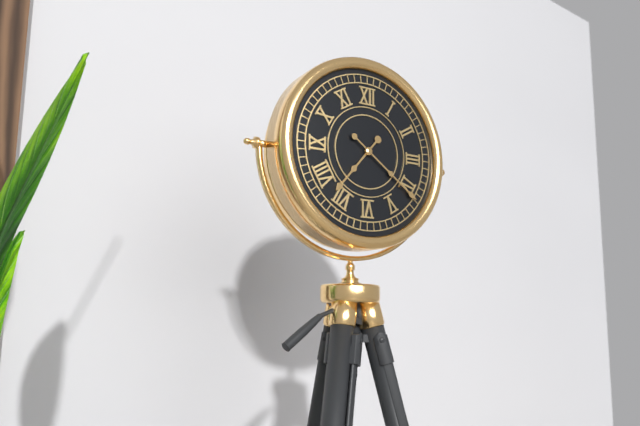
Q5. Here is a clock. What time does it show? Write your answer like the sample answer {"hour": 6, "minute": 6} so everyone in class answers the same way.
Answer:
{"hour": 7, "minute": 21}
